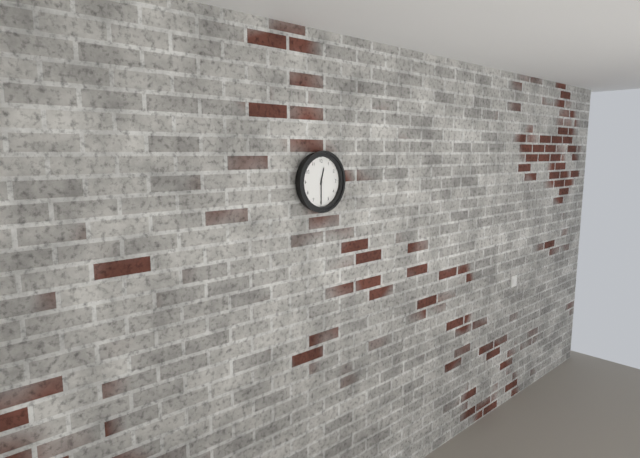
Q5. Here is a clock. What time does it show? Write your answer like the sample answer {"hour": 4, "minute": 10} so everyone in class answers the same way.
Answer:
{"hour": 12, "minute": 30}
